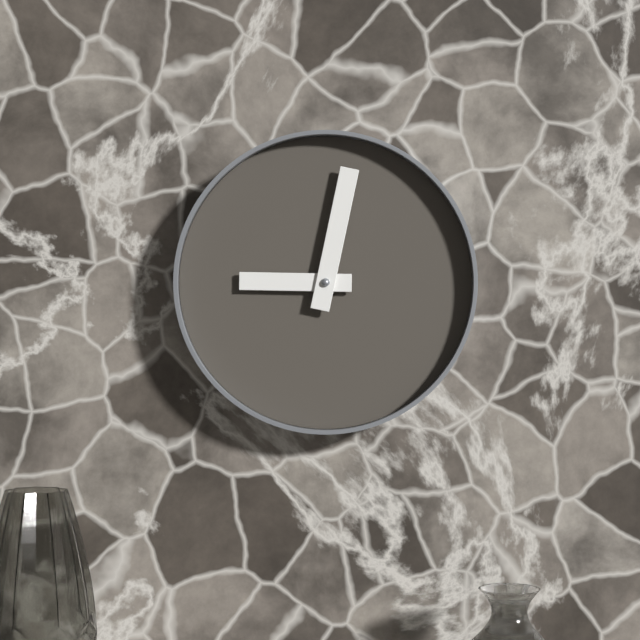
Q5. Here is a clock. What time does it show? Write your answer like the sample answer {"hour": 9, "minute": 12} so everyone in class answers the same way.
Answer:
{"hour": 9, "minute": 2}
